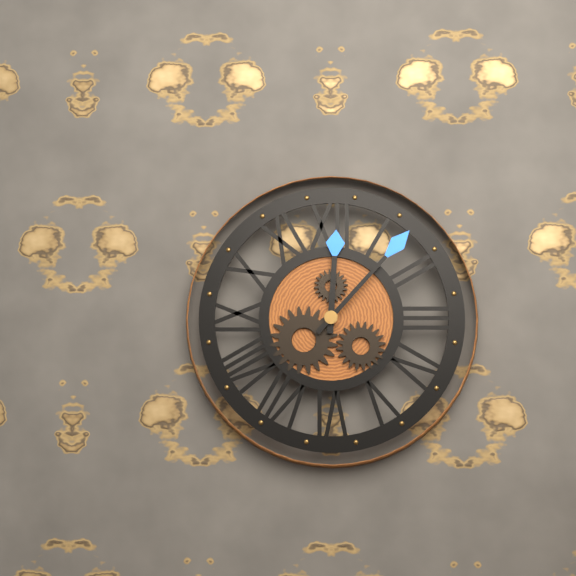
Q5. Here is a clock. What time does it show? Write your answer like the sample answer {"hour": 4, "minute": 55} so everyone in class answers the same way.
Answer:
{"hour": 12, "minute": 7}
